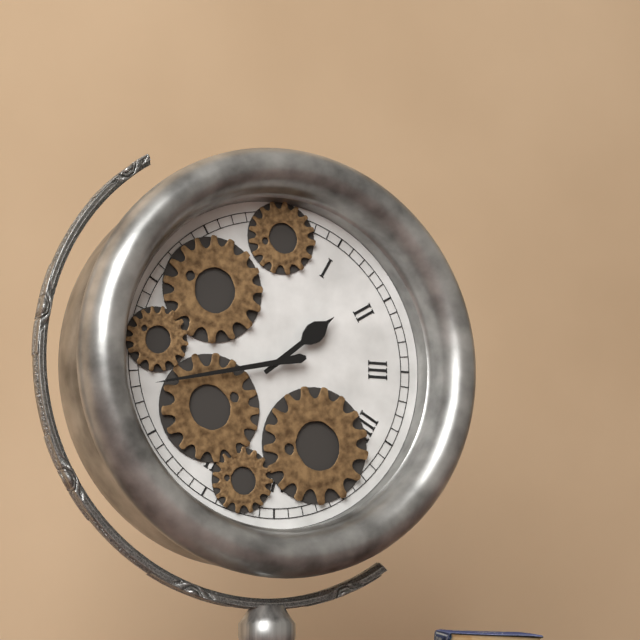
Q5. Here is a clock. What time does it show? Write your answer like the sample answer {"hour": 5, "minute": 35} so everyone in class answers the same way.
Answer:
{"hour": 1, "minute": 43}
